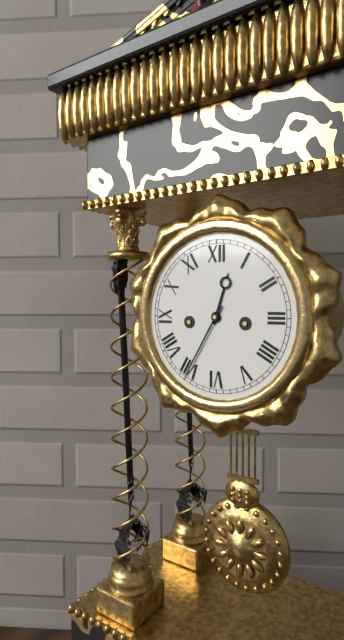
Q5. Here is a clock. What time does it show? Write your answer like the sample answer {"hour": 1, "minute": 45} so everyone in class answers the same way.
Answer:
{"hour": 12, "minute": 35}
